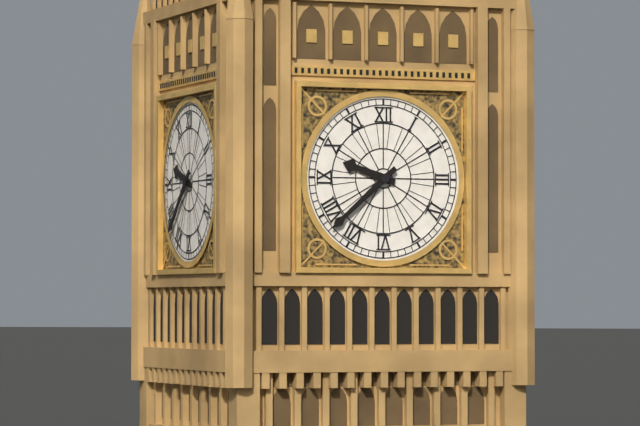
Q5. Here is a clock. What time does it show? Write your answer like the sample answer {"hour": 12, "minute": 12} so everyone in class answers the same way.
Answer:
{"hour": 9, "minute": 38}
